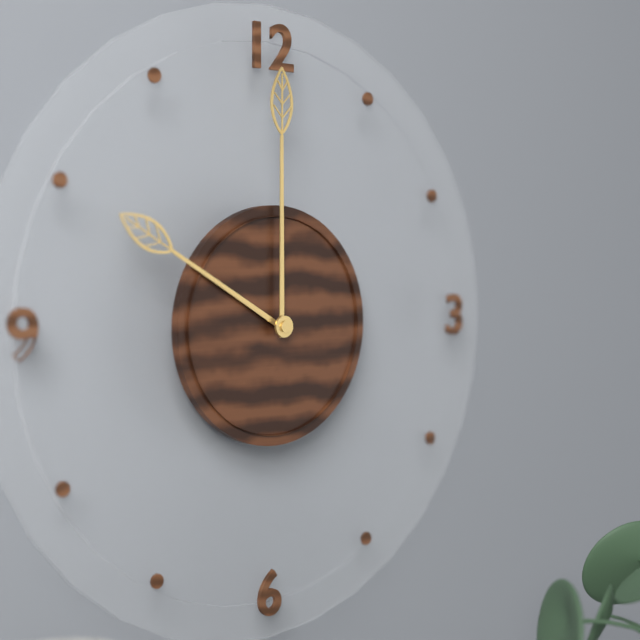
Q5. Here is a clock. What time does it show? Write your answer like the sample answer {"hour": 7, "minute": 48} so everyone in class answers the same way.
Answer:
{"hour": 10, "minute": 0}
